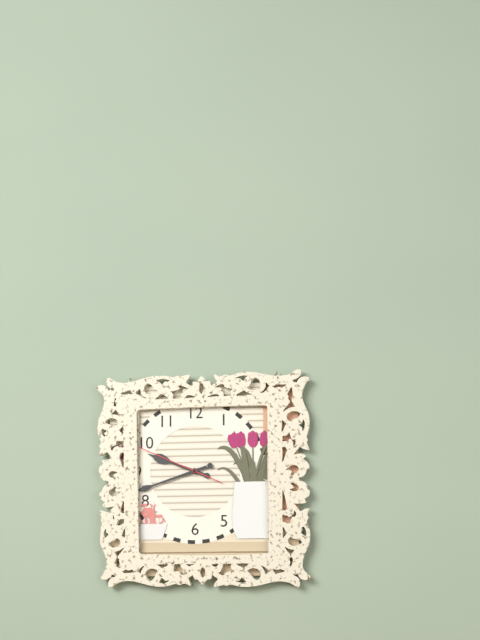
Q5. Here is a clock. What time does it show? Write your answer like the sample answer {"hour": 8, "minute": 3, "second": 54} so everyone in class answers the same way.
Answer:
{"hour": 9, "minute": 42, "second": 49}
